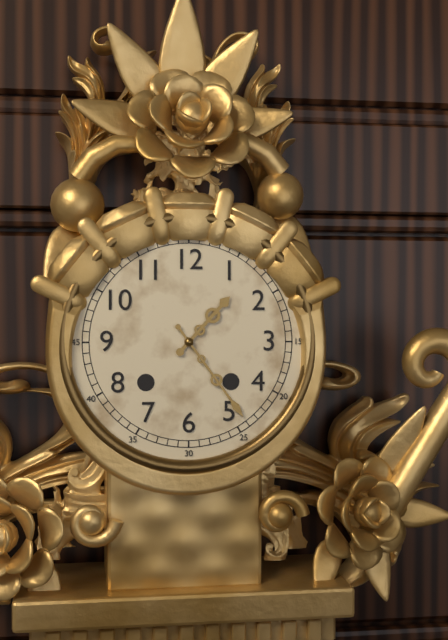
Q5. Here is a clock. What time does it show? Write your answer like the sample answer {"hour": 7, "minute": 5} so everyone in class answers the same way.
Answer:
{"hour": 1, "minute": 24}
